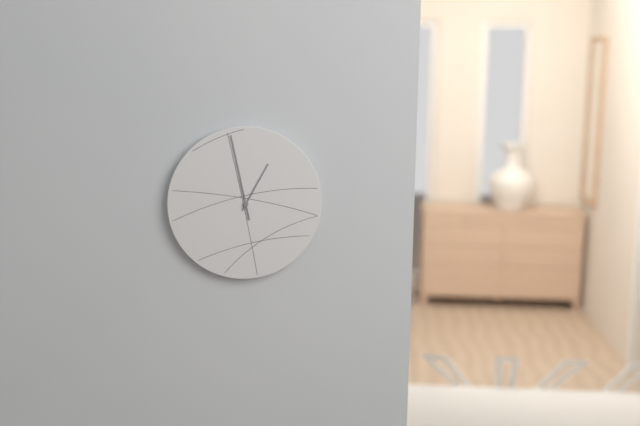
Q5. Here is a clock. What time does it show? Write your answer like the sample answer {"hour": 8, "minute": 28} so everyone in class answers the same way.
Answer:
{"hour": 12, "minute": 58}
